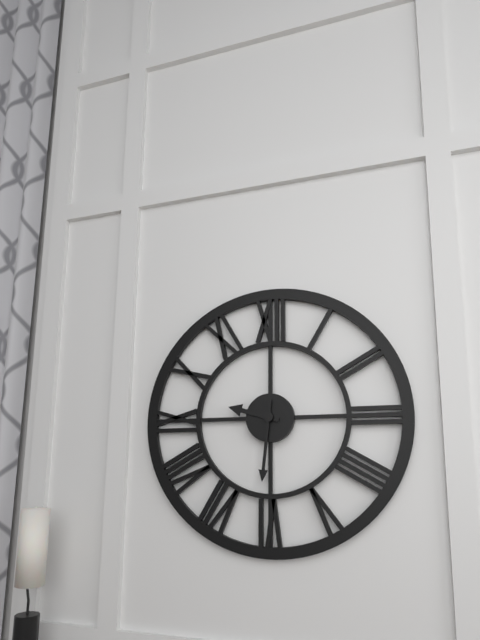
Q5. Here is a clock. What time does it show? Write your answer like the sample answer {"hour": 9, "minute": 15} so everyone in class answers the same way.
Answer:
{"hour": 9, "minute": 31}
